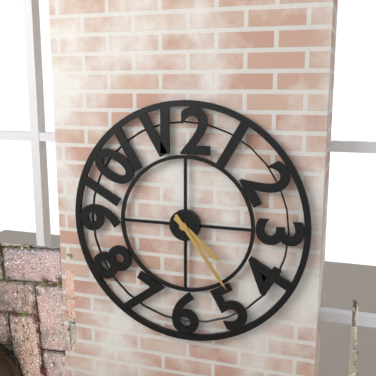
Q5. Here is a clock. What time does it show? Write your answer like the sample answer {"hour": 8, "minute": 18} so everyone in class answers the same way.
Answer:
{"hour": 4, "minute": 24}
